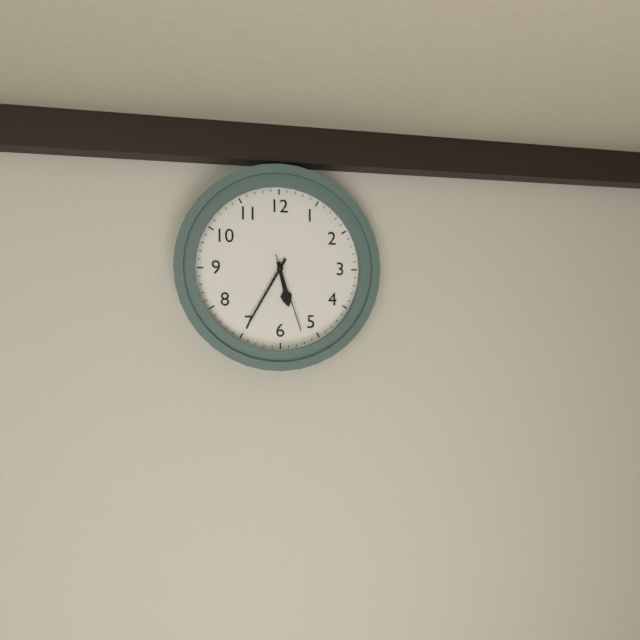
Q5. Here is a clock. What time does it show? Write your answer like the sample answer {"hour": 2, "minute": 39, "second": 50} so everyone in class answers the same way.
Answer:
{"hour": 5, "minute": 35, "second": 27}
